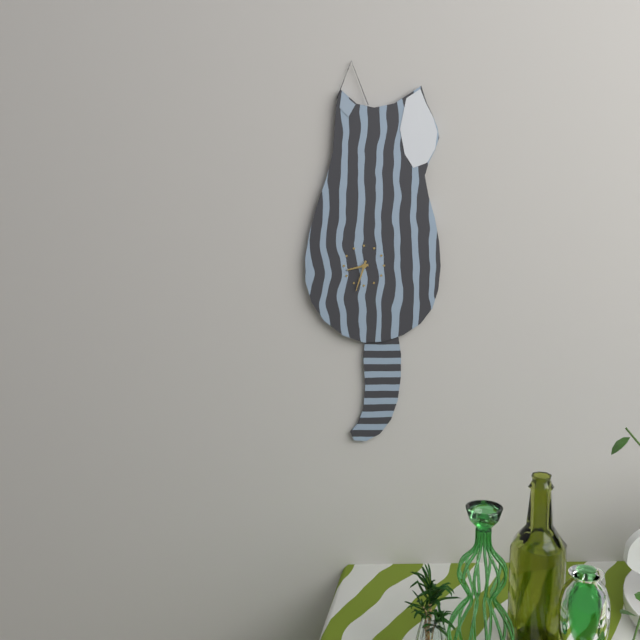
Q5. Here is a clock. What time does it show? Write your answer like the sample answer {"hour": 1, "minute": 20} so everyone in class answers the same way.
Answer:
{"hour": 8, "minute": 33}
